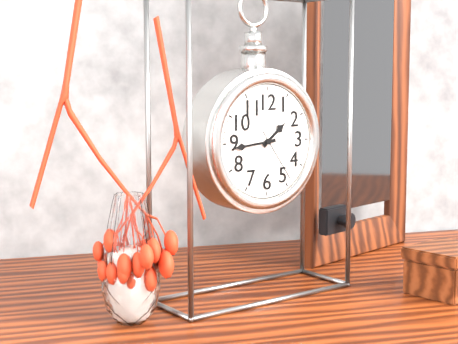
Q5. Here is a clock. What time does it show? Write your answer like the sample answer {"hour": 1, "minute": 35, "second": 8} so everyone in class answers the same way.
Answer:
{"hour": 1, "minute": 44, "second": 24}
